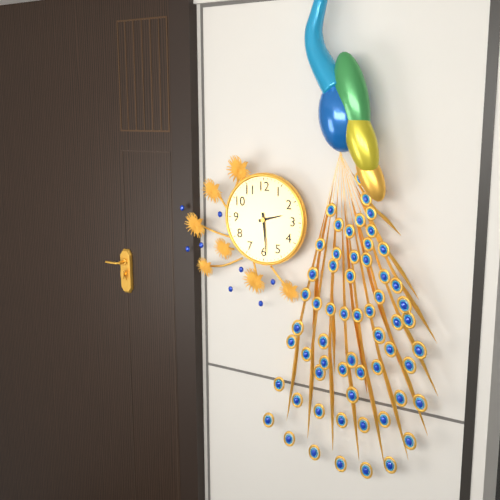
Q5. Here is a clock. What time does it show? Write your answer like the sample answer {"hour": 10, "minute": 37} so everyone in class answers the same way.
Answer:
{"hour": 2, "minute": 29}
